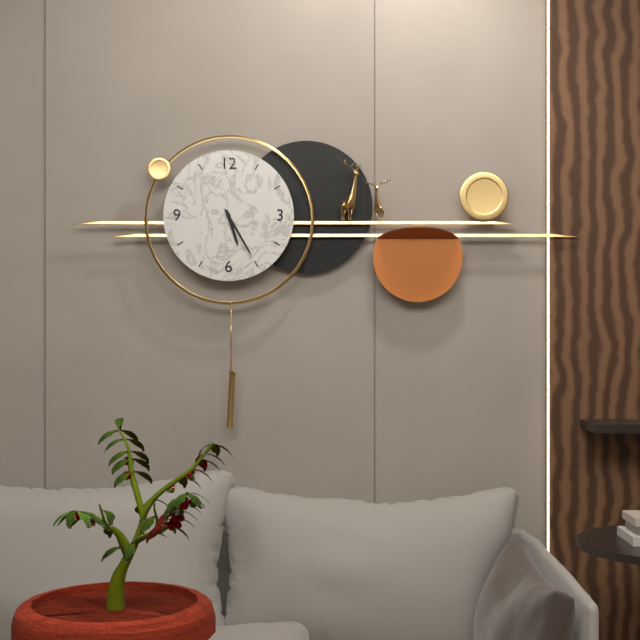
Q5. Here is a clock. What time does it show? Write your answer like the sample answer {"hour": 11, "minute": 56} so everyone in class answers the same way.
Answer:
{"hour": 5, "minute": 25}
